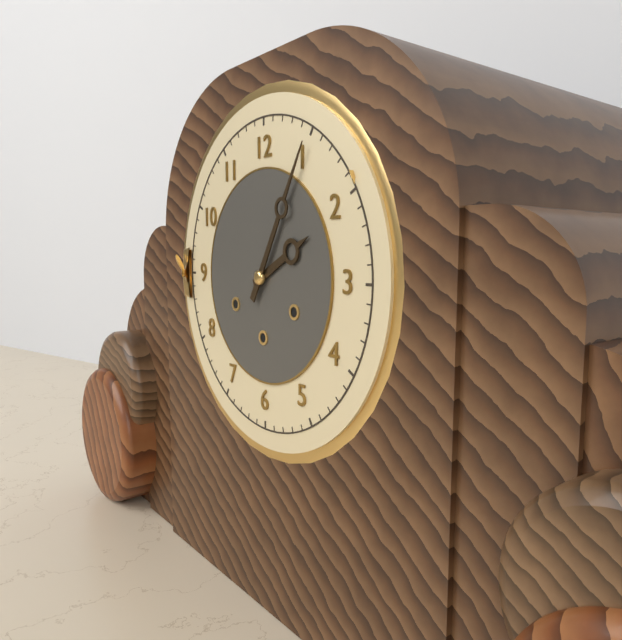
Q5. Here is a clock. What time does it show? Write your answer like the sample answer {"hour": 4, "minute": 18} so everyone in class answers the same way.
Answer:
{"hour": 2, "minute": 5}
